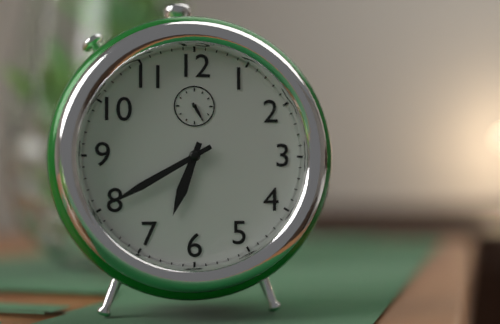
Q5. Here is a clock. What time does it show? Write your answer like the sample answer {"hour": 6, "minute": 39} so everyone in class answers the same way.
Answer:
{"hour": 6, "minute": 40}
